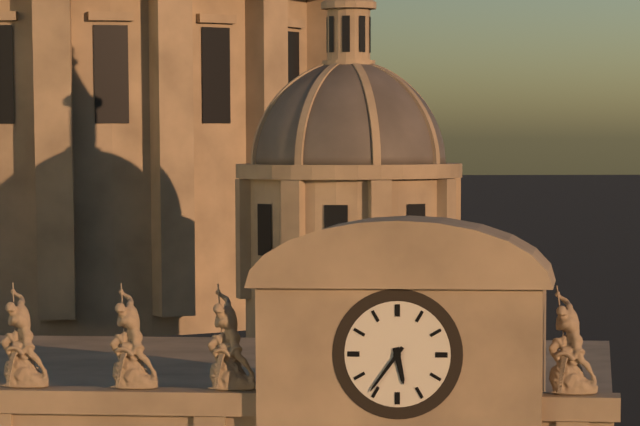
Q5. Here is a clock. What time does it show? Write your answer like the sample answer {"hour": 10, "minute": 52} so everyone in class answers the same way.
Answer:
{"hour": 5, "minute": 36}
